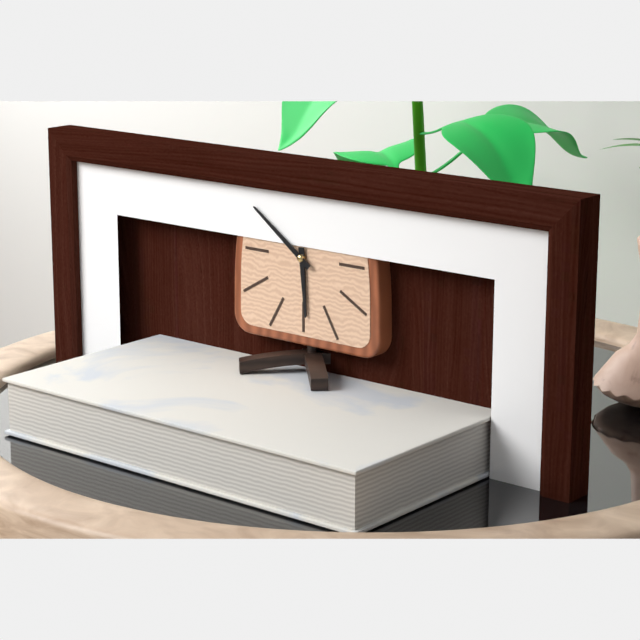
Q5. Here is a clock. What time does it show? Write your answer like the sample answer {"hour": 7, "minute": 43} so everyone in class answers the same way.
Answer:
{"hour": 5, "minute": 51}
